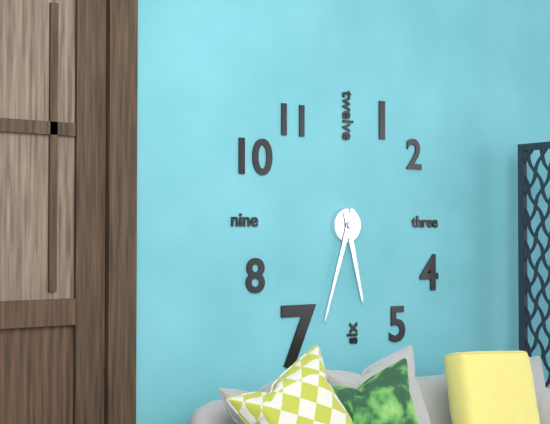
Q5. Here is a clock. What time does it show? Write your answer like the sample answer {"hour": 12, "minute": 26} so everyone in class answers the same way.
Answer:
{"hour": 5, "minute": 33}
